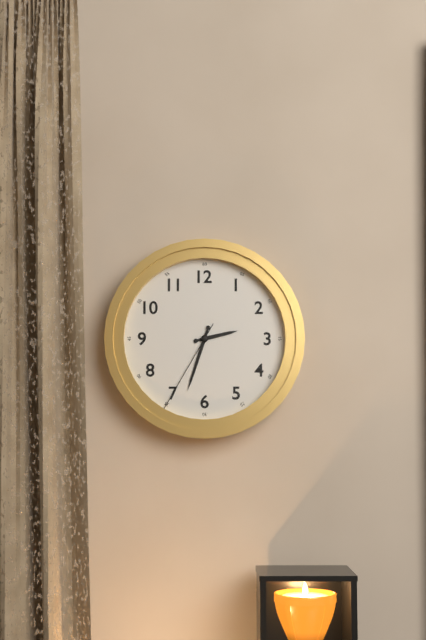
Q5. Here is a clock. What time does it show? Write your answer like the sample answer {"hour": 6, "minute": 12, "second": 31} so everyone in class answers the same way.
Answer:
{"hour": 2, "minute": 33, "second": 35}
